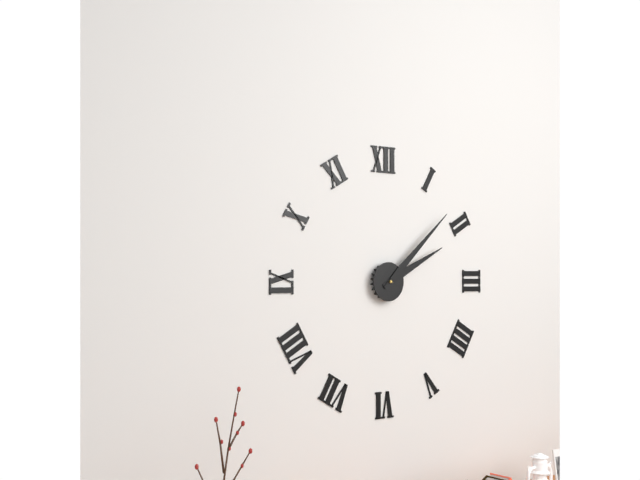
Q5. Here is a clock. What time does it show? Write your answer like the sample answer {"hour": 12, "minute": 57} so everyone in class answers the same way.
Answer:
{"hour": 2, "minute": 8}
